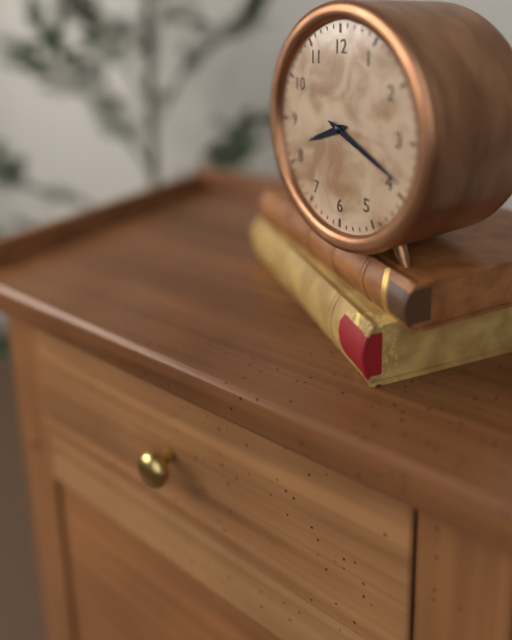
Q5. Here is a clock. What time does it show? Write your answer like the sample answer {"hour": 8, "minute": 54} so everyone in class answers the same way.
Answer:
{"hour": 8, "minute": 19}
